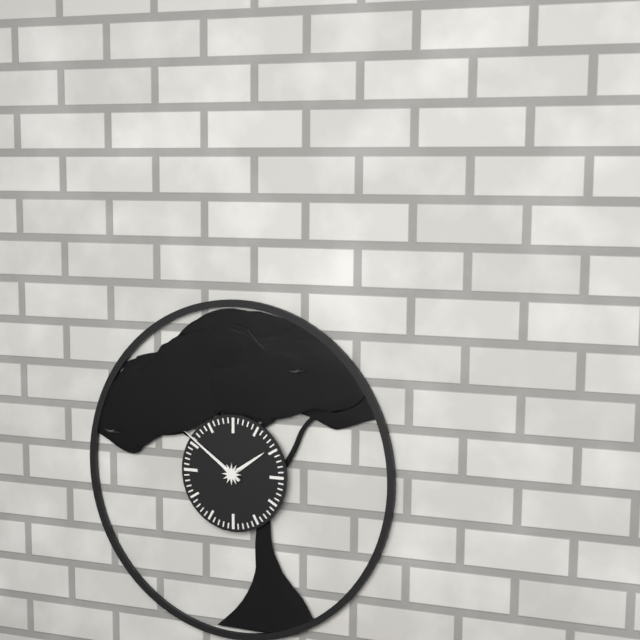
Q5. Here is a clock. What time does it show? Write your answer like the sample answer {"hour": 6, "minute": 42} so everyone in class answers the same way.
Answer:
{"hour": 1, "minute": 51}
